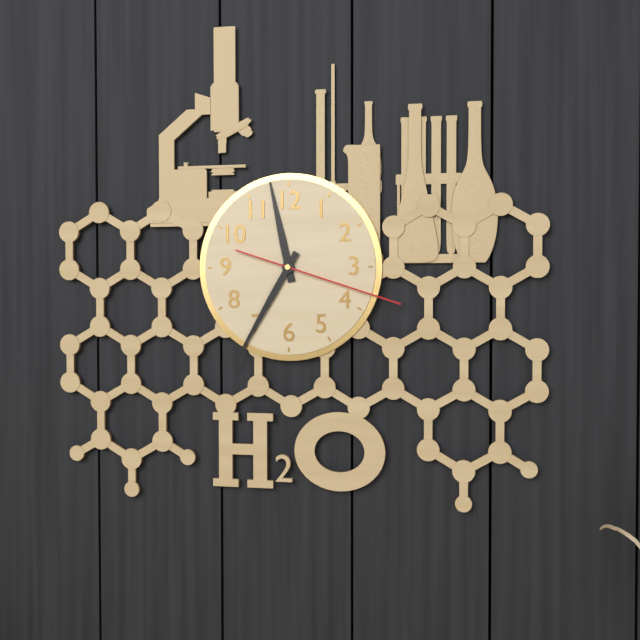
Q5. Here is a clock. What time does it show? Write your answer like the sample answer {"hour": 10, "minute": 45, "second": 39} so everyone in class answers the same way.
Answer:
{"hour": 11, "minute": 35, "second": 18}
